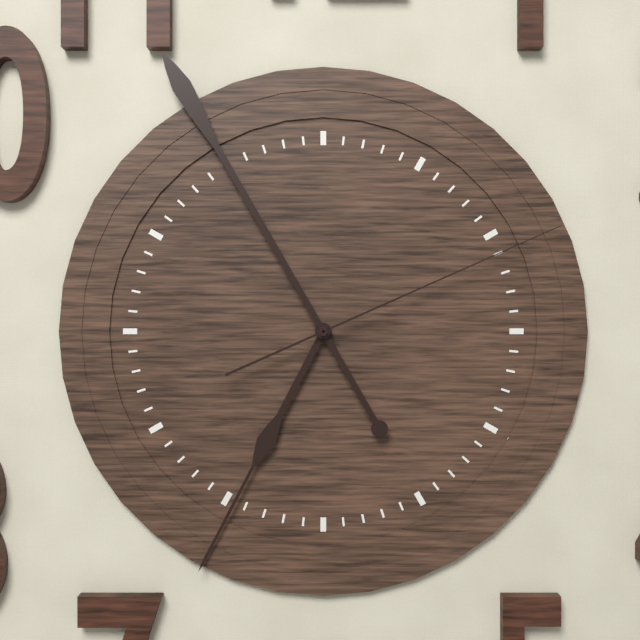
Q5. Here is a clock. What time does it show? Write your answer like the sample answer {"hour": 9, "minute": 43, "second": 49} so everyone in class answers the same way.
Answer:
{"hour": 6, "minute": 55, "second": 11}
